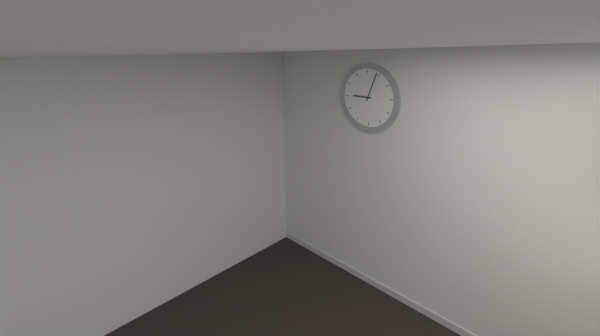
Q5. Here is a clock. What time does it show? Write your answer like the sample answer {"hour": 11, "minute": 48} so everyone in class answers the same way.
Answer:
{"hour": 9, "minute": 4}
